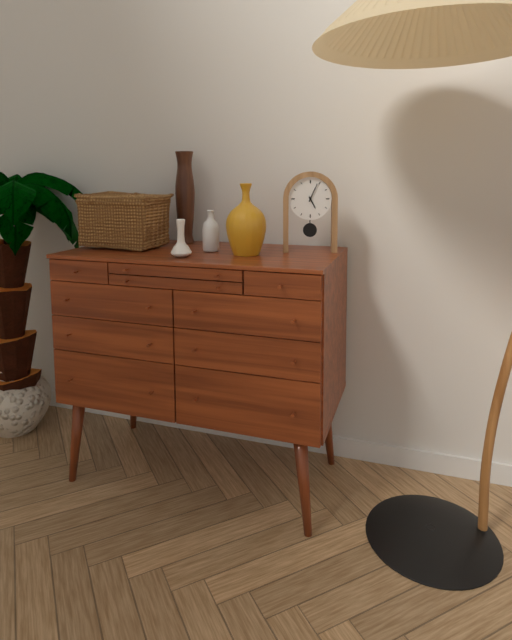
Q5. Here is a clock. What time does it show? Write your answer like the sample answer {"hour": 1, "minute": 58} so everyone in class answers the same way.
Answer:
{"hour": 5, "minute": 4}
